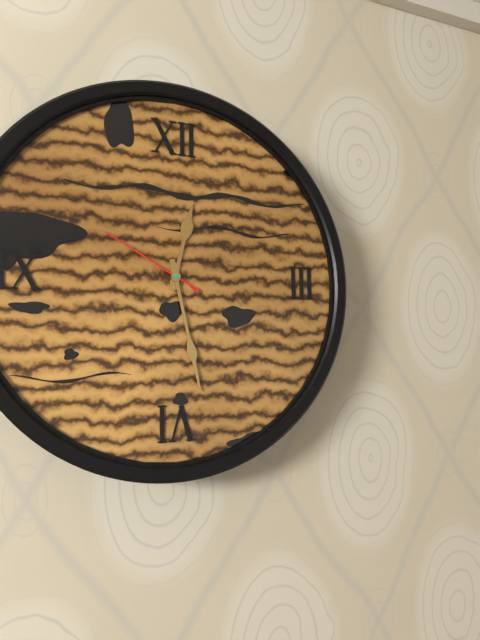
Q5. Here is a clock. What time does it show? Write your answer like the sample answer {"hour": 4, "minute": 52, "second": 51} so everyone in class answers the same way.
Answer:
{"hour": 12, "minute": 28, "second": 50}
